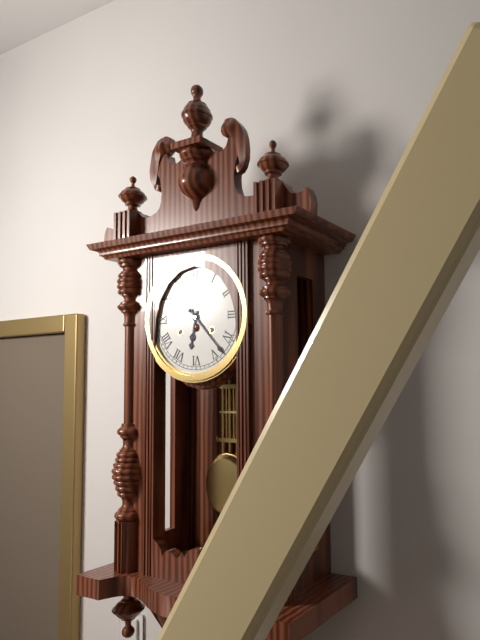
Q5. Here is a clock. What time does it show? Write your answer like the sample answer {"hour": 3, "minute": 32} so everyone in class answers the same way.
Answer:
{"hour": 6, "minute": 23}
